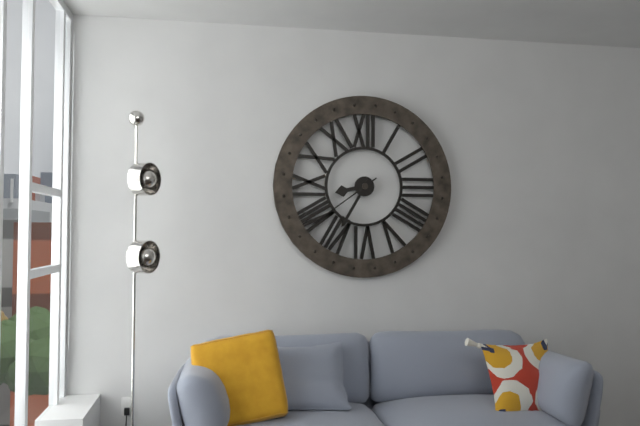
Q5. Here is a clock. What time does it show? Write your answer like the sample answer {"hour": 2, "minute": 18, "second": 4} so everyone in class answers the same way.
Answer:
{"hour": 8, "minute": 35, "second": 39}
